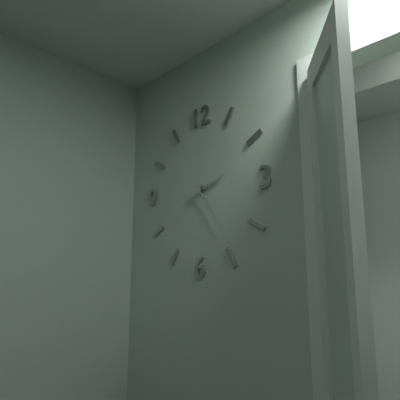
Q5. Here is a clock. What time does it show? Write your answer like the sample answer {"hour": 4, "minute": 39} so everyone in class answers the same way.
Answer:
{"hour": 2, "minute": 24}
